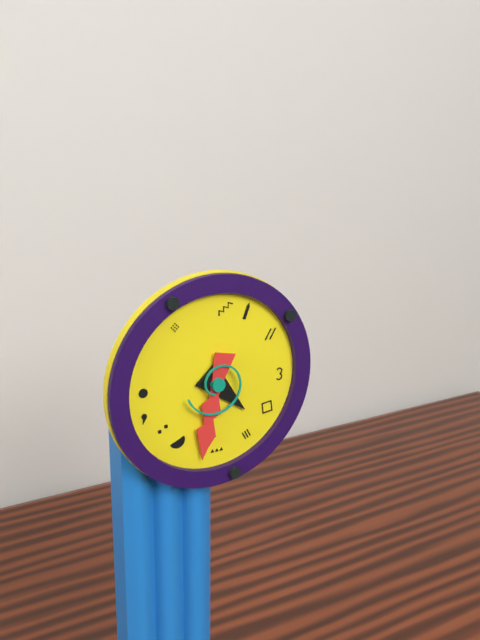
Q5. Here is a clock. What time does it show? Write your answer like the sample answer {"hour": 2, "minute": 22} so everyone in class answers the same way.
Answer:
{"hour": 4, "minute": 32}
